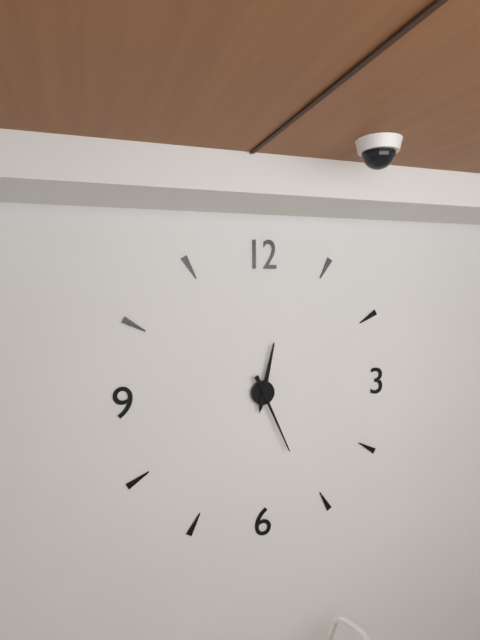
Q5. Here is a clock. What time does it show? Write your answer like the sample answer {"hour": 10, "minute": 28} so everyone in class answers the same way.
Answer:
{"hour": 12, "minute": 26}
